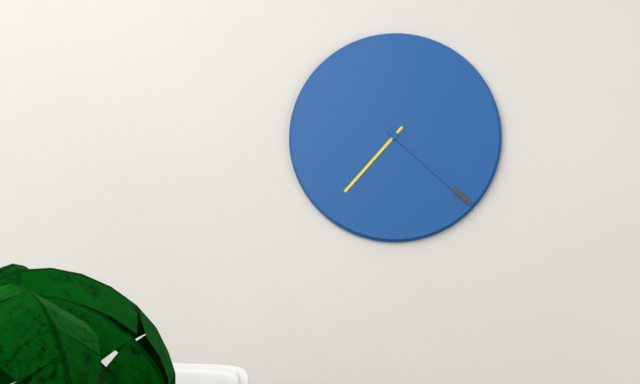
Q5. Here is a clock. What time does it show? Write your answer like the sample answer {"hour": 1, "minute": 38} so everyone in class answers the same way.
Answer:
{"hour": 7, "minute": 22}
